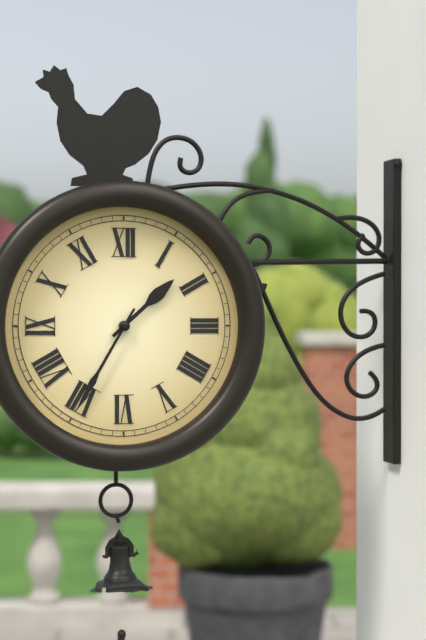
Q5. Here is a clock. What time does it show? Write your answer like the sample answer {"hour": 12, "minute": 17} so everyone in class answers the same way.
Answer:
{"hour": 1, "minute": 35}
